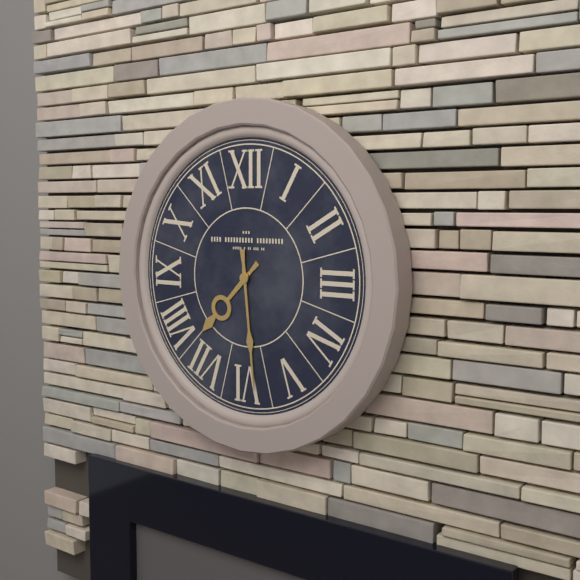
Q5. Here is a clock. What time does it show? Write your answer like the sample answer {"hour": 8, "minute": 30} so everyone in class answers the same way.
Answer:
{"hour": 7, "minute": 29}
